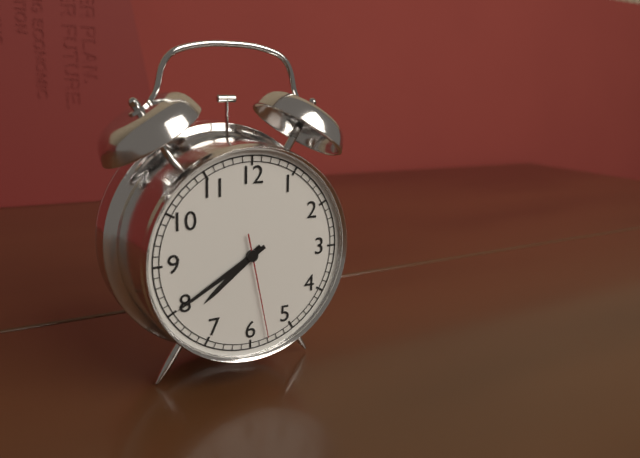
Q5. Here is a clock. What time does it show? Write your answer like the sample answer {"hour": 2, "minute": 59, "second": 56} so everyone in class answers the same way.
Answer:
{"hour": 7, "minute": 40, "second": 28}
